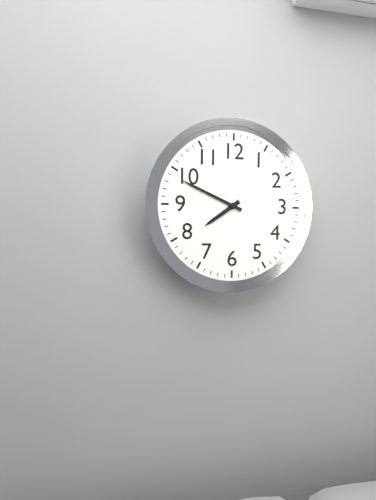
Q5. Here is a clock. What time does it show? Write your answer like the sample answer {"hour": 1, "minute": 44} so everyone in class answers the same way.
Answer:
{"hour": 7, "minute": 49}
